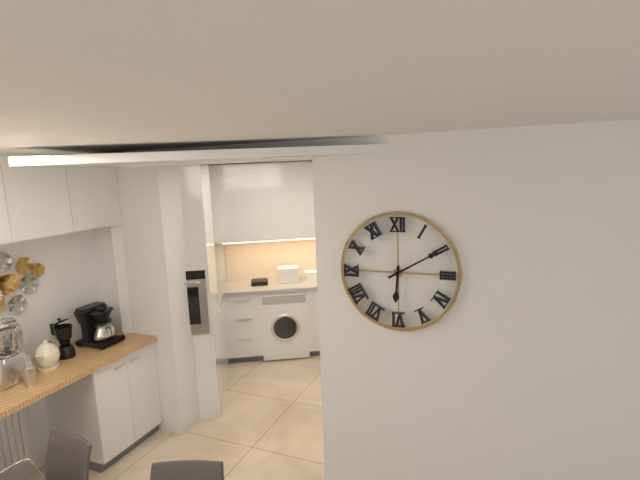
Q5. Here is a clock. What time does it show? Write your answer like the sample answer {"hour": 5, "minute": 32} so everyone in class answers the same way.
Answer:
{"hour": 6, "minute": 10}
